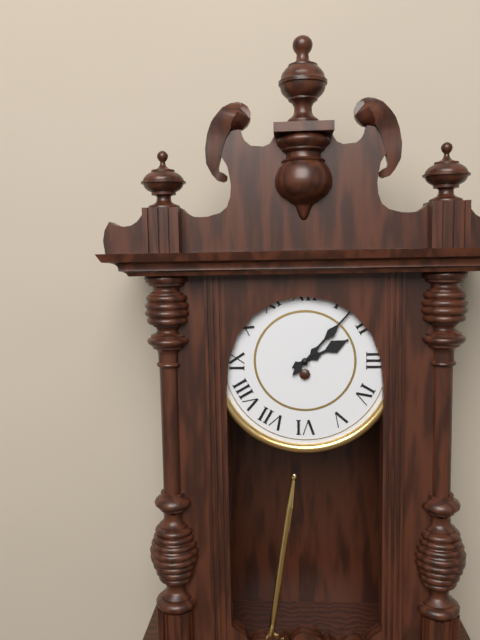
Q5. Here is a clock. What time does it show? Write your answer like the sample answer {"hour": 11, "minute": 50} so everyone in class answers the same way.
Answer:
{"hour": 2, "minute": 7}
